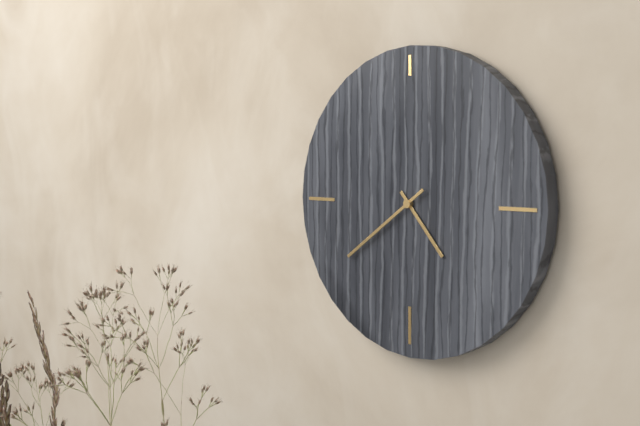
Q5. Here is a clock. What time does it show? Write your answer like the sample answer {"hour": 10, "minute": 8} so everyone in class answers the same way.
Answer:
{"hour": 4, "minute": 39}
